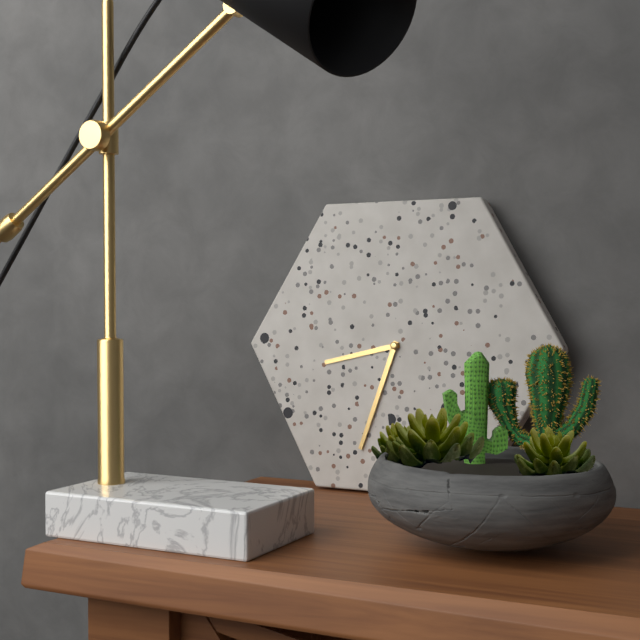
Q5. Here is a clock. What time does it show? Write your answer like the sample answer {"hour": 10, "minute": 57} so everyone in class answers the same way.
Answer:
{"hour": 8, "minute": 33}
